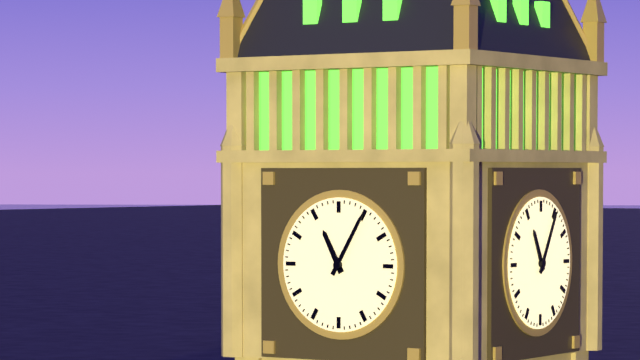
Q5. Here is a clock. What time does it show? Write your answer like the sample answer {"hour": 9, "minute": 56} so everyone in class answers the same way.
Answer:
{"hour": 11, "minute": 5}
